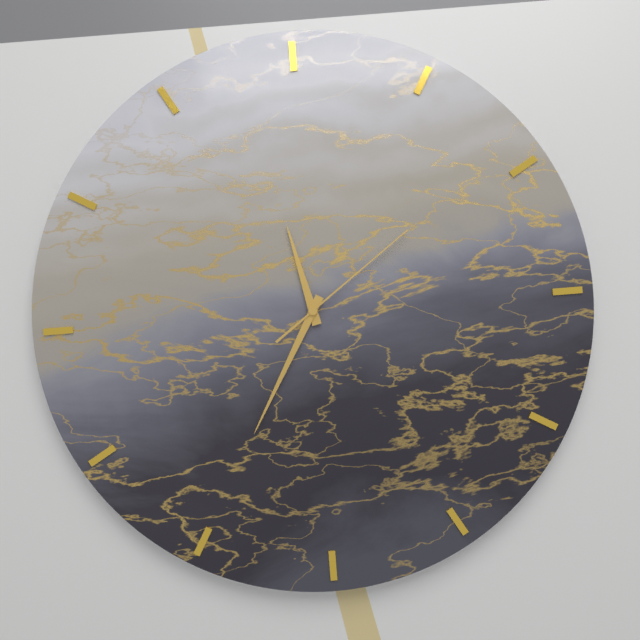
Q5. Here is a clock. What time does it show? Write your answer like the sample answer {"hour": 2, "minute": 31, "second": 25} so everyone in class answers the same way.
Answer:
{"hour": 11, "minute": 35, "second": 9}
